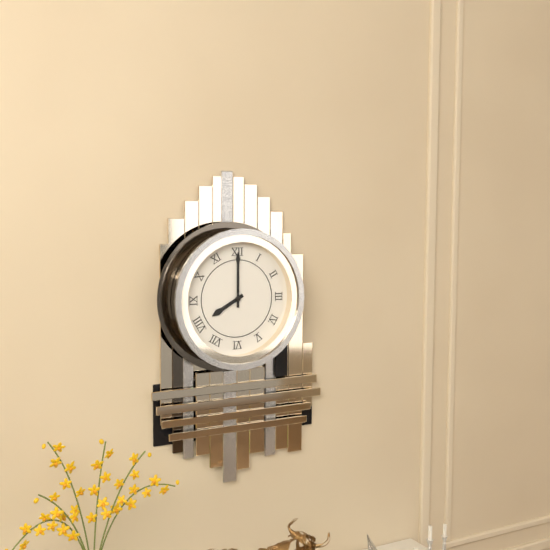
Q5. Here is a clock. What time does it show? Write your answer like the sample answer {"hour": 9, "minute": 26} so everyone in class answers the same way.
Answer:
{"hour": 8, "minute": 0}
